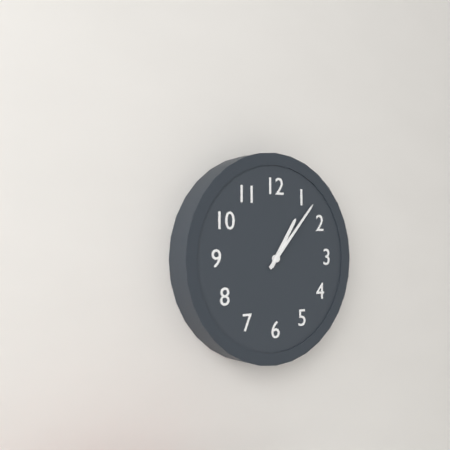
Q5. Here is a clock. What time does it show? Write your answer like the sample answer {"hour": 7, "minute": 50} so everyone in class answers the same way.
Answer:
{"hour": 1, "minute": 7}
